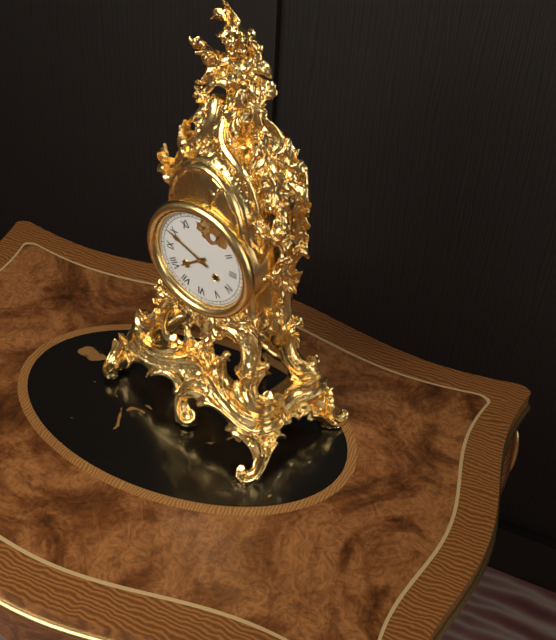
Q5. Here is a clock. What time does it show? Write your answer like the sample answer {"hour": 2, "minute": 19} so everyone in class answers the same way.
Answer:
{"hour": 7, "minute": 49}
